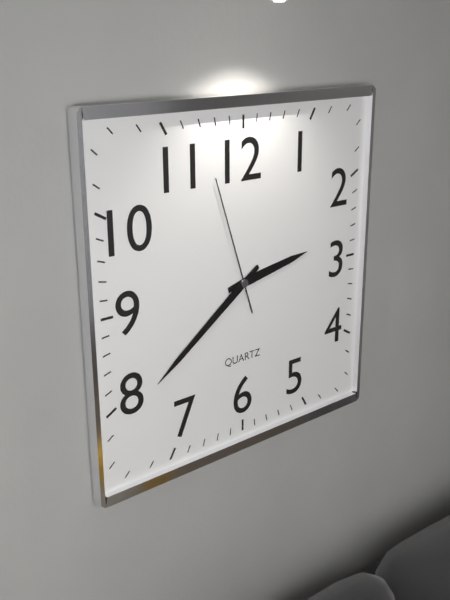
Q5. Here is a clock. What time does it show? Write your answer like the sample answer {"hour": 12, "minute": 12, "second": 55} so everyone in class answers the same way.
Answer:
{"hour": 2, "minute": 39, "second": 57}
